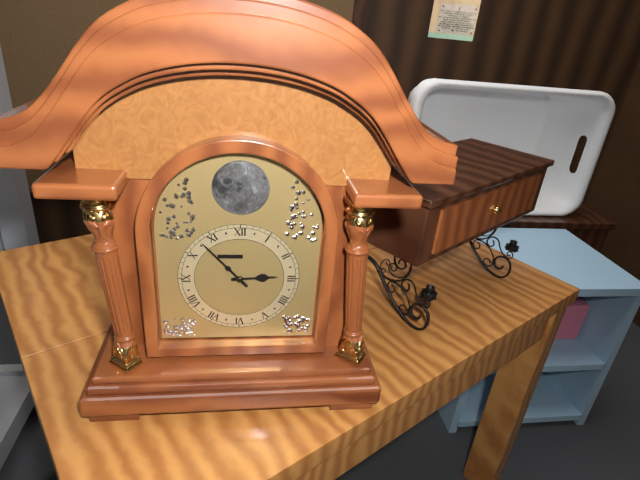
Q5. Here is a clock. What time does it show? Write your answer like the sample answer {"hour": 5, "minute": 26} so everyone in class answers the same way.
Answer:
{"hour": 2, "minute": 53}
